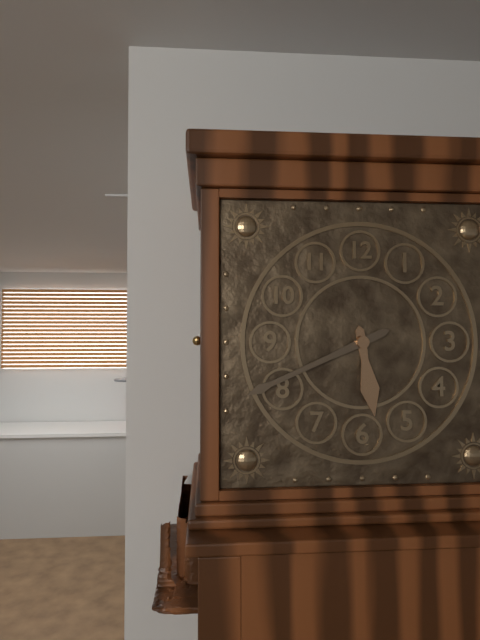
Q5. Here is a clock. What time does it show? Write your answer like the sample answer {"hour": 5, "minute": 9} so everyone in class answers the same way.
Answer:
{"hour": 5, "minute": 41}
